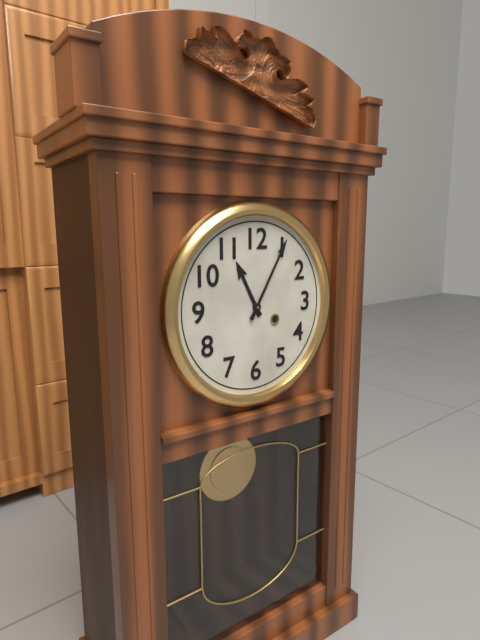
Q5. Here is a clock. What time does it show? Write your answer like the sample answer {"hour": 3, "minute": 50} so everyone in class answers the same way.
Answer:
{"hour": 11, "minute": 5}
